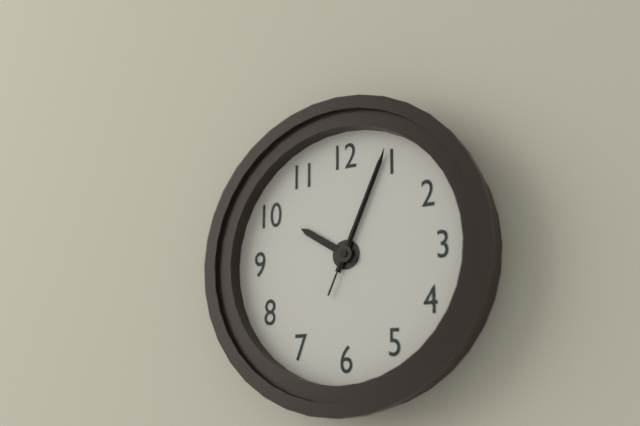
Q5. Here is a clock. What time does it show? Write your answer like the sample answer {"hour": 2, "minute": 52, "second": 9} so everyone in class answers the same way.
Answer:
{"hour": 10, "minute": 4, "second": 4}
